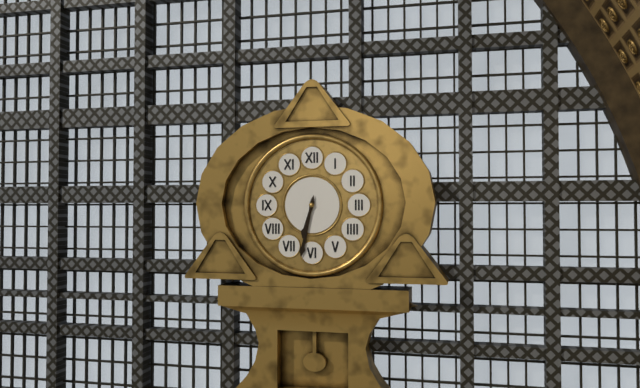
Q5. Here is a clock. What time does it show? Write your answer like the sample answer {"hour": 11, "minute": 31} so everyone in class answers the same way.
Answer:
{"hour": 6, "minute": 32}
